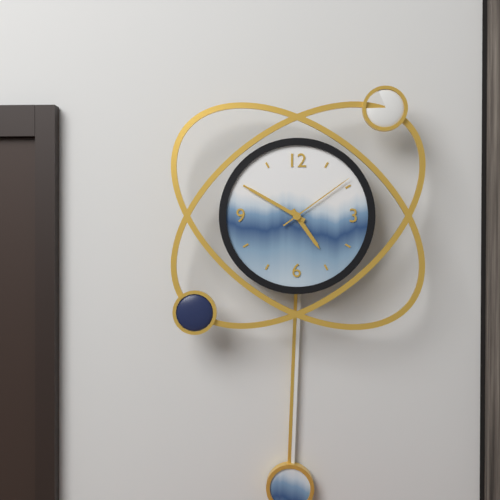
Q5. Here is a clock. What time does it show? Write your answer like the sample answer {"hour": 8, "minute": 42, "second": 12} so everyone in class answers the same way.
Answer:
{"hour": 4, "minute": 50, "second": 9}
